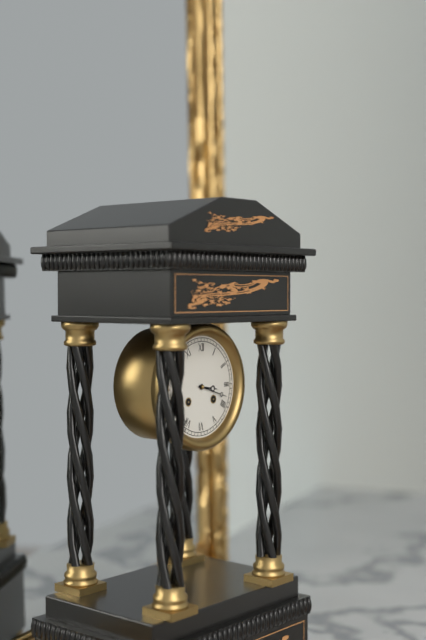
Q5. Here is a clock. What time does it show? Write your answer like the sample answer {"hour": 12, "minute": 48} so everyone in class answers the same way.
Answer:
{"hour": 3, "minute": 18}
